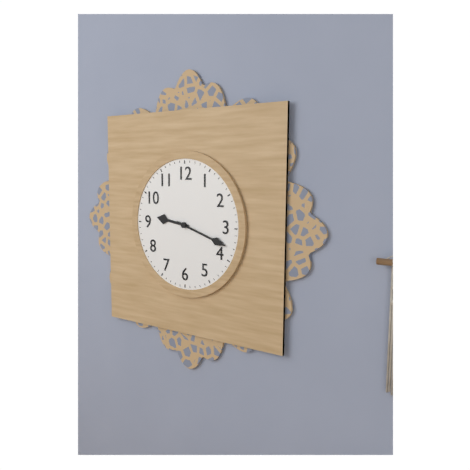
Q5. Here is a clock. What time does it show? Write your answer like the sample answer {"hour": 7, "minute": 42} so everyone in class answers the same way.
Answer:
{"hour": 9, "minute": 18}
